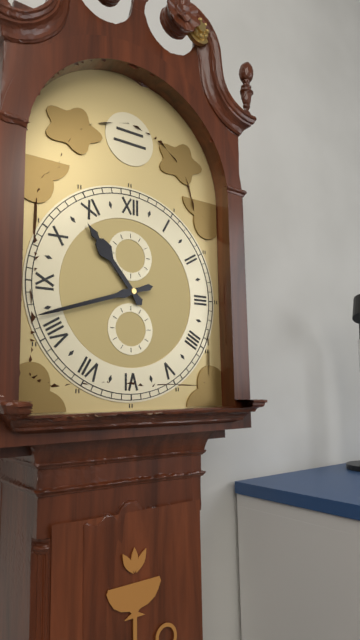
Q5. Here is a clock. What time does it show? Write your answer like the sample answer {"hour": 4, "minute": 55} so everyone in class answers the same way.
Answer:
{"hour": 10, "minute": 42}
